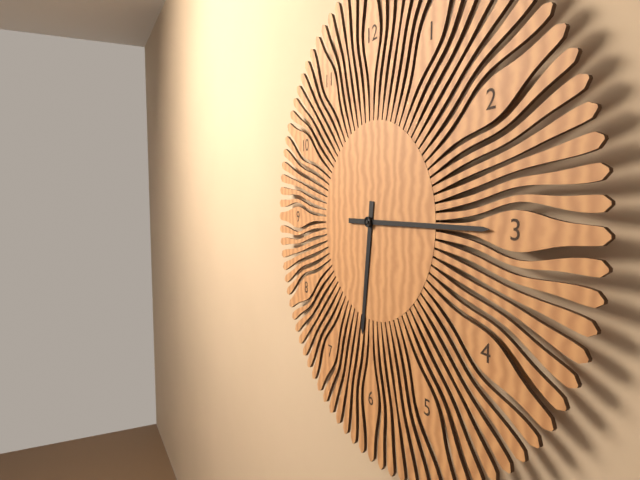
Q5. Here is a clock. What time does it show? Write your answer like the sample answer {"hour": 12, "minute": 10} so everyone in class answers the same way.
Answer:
{"hour": 6, "minute": 15}
